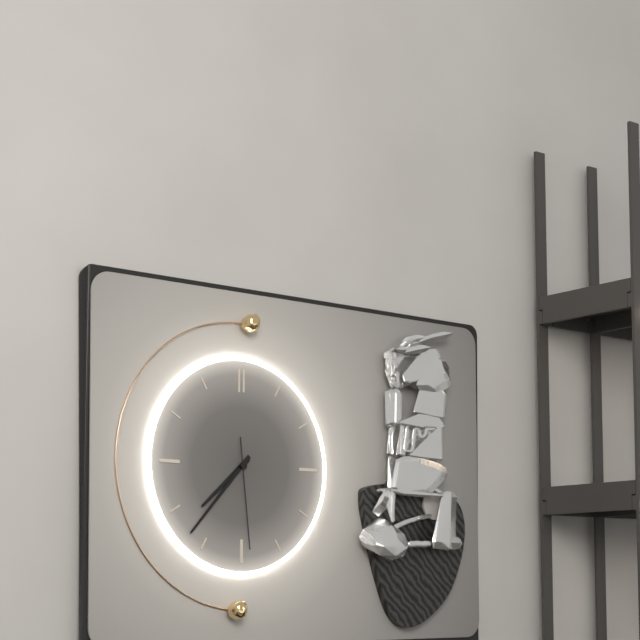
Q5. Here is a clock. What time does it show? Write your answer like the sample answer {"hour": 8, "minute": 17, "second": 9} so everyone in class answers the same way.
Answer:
{"hour": 7, "minute": 37, "second": 29}
